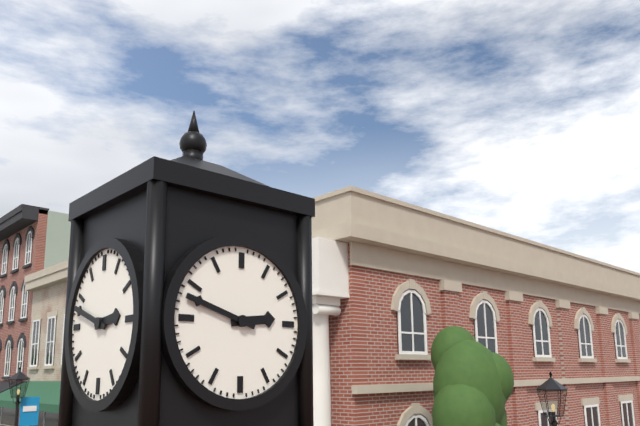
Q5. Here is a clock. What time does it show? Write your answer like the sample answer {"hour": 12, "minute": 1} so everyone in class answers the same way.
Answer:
{"hour": 2, "minute": 48}
